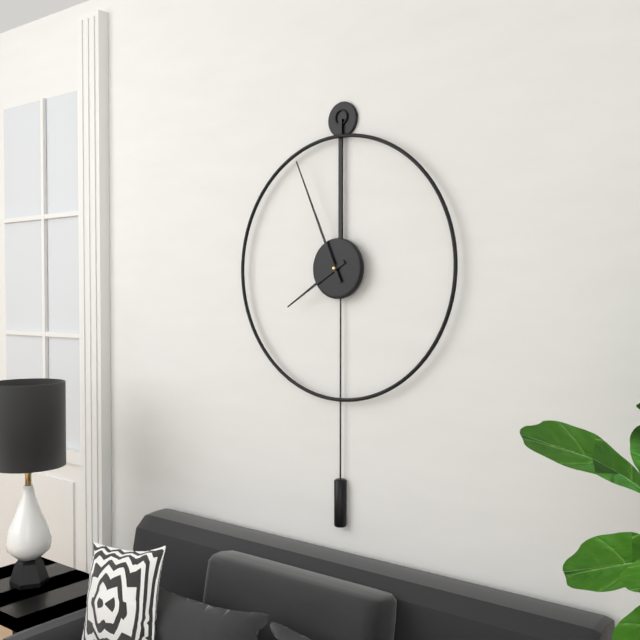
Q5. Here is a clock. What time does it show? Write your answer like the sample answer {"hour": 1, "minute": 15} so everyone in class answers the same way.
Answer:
{"hour": 7, "minute": 56}
